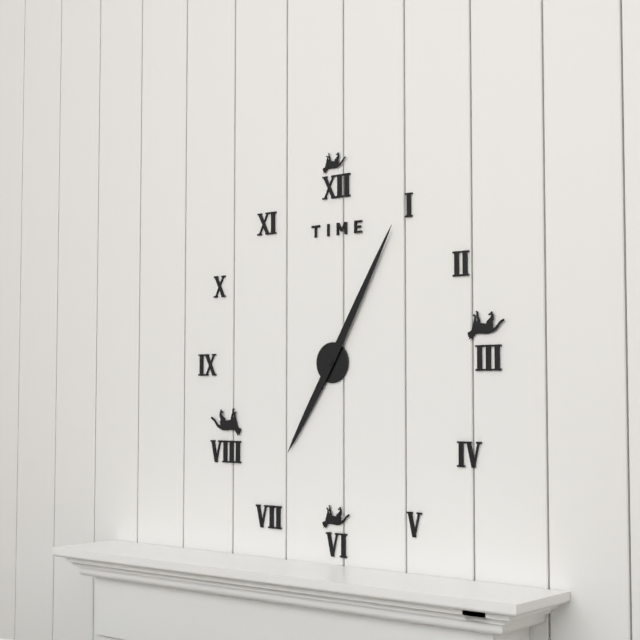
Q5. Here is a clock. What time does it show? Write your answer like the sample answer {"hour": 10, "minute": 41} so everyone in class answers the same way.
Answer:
{"hour": 7, "minute": 5}
